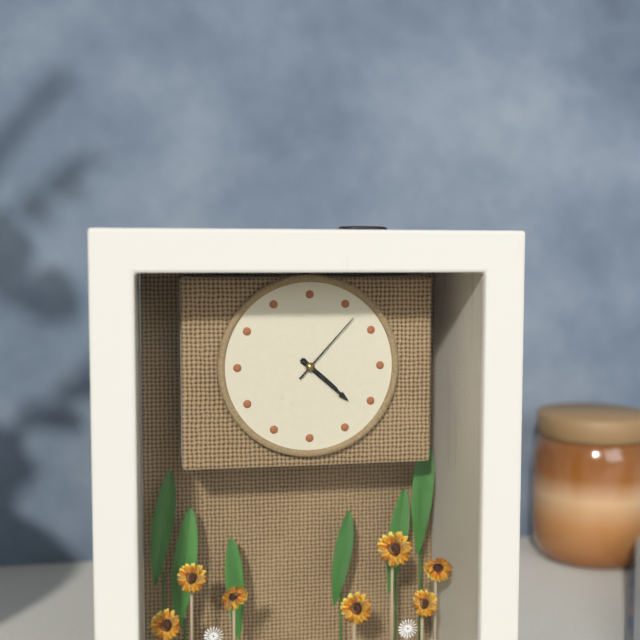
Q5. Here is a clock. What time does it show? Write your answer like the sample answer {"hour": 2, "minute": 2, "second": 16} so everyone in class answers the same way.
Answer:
{"hour": 4, "minute": 22, "second": 7}
